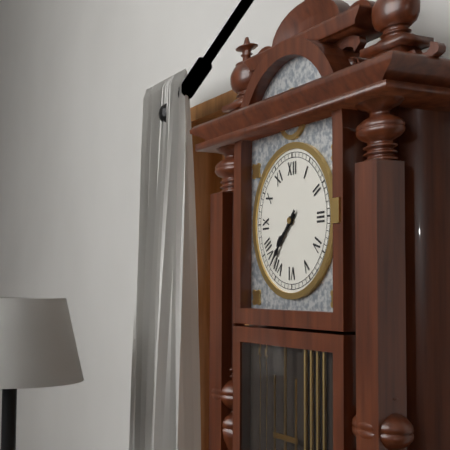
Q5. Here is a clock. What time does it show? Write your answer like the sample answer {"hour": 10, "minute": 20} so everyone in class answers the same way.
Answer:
{"hour": 7, "minute": 37}
